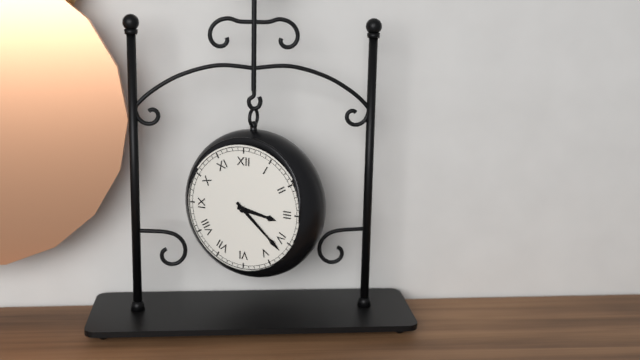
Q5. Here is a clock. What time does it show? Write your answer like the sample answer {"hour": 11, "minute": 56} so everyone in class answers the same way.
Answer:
{"hour": 3, "minute": 22}
